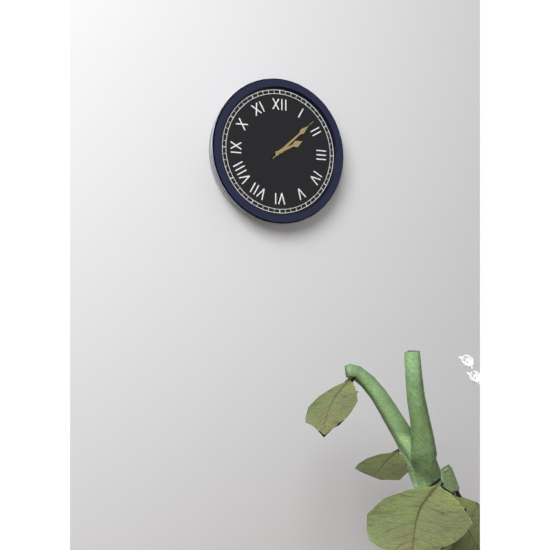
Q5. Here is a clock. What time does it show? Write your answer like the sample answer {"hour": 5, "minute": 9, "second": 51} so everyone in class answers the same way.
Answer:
{"hour": 2, "minute": 8, "second": 8}
